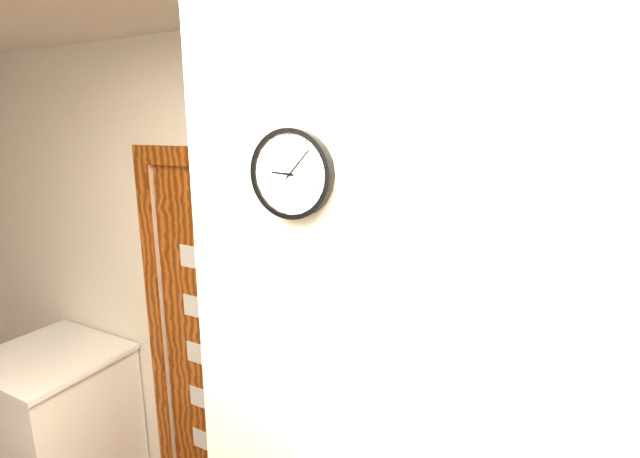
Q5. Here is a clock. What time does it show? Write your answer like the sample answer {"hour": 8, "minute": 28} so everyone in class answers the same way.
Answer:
{"hour": 9, "minute": 7}
